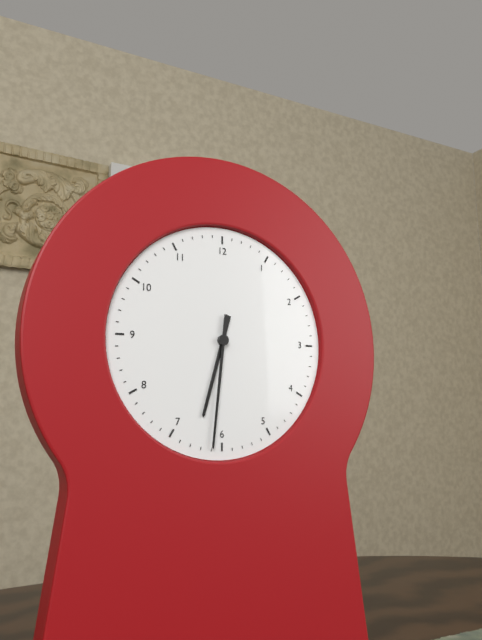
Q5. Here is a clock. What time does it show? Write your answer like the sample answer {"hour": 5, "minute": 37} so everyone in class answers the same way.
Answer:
{"hour": 6, "minute": 31}
